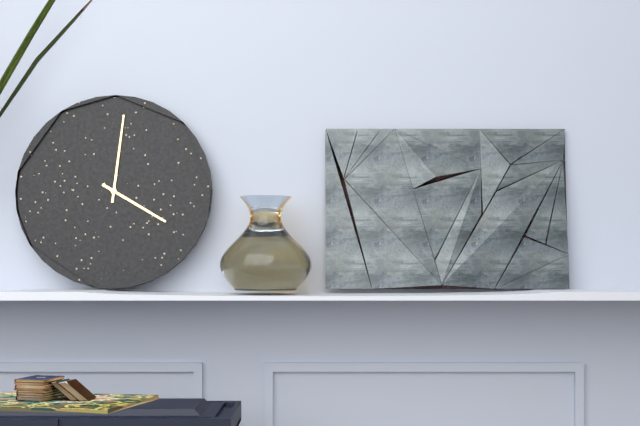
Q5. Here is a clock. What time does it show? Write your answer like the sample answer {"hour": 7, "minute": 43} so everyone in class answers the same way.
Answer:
{"hour": 4, "minute": 1}
